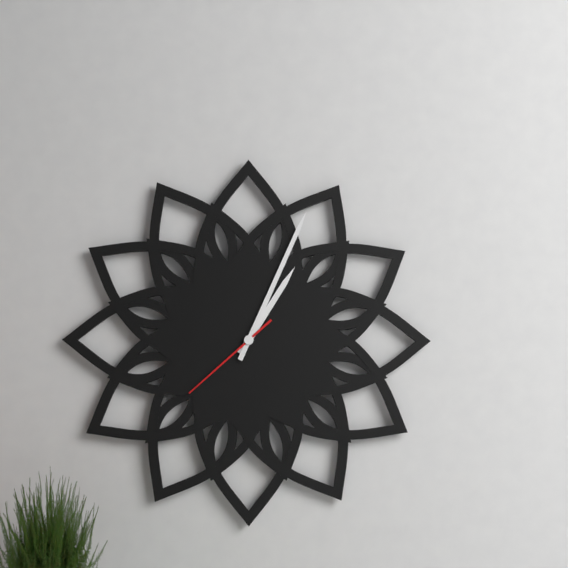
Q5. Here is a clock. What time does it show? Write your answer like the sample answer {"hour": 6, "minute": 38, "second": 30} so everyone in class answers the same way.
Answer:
{"hour": 1, "minute": 4, "second": 38}
